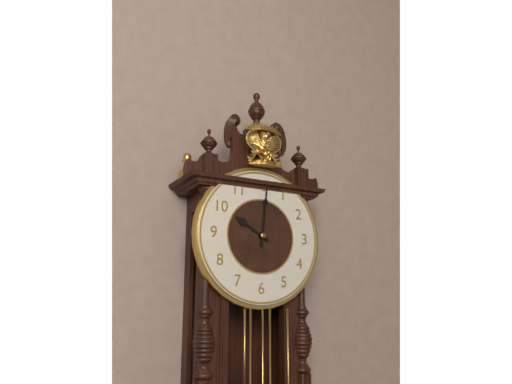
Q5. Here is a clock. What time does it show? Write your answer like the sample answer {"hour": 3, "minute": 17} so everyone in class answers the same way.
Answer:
{"hour": 10, "minute": 1}
